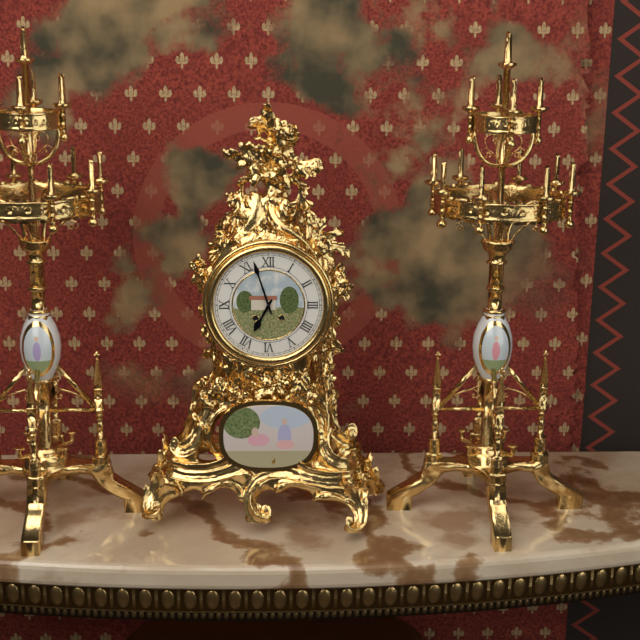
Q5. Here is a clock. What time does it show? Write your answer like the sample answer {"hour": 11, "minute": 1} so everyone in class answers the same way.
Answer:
{"hour": 6, "minute": 57}
